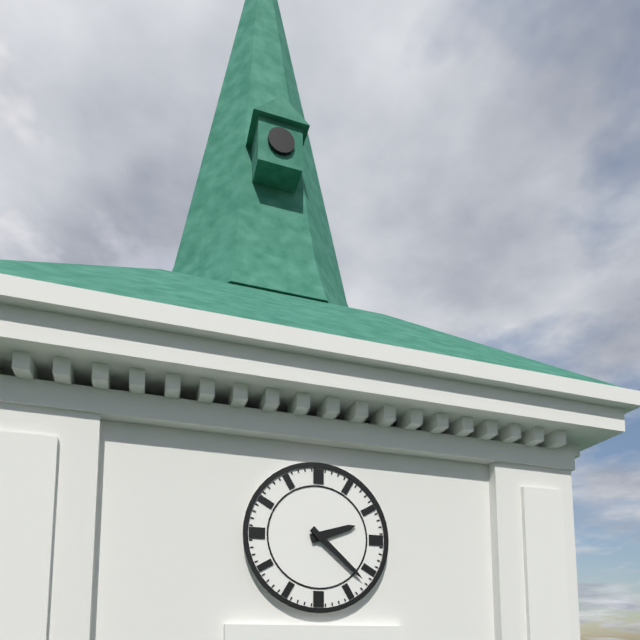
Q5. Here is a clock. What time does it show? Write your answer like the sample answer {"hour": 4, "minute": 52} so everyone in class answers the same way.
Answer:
{"hour": 2, "minute": 22}
